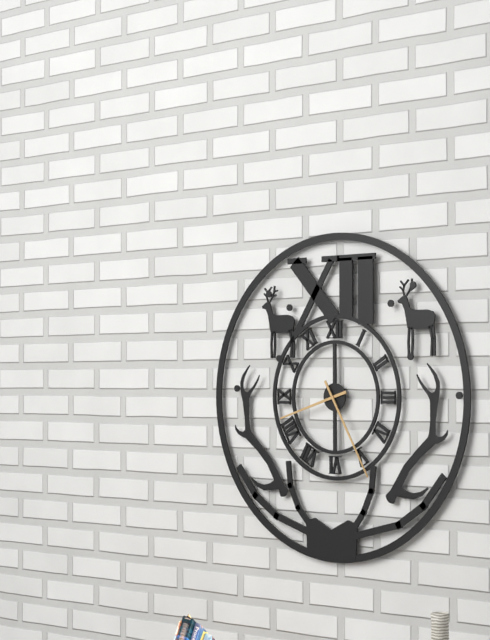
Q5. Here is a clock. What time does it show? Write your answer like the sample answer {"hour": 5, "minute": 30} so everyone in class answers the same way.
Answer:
{"hour": 8, "minute": 25}
